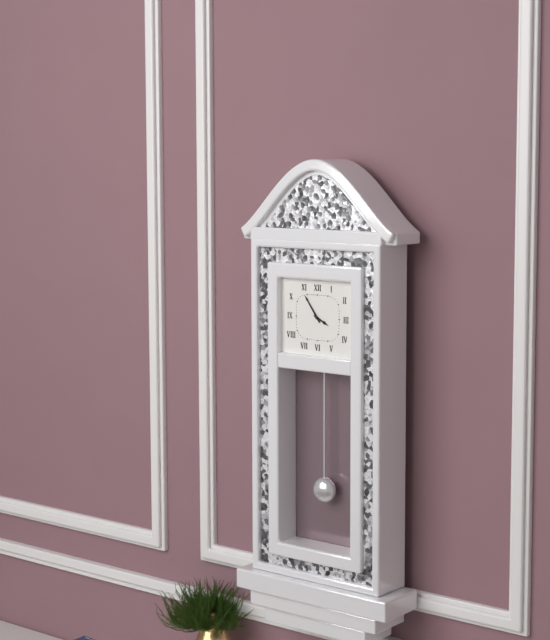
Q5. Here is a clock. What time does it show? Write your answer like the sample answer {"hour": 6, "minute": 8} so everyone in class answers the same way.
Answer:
{"hour": 3, "minute": 54}
